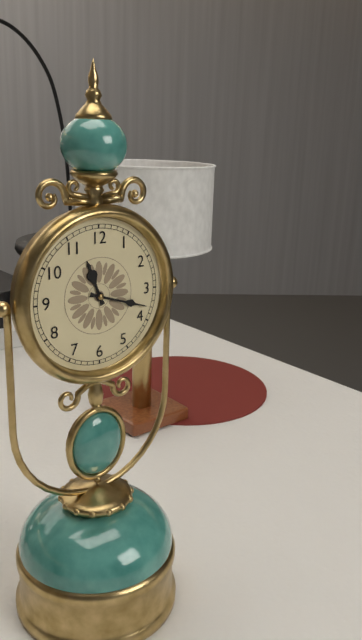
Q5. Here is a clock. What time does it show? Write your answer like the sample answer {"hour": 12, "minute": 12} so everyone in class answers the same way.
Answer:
{"hour": 11, "minute": 18}
